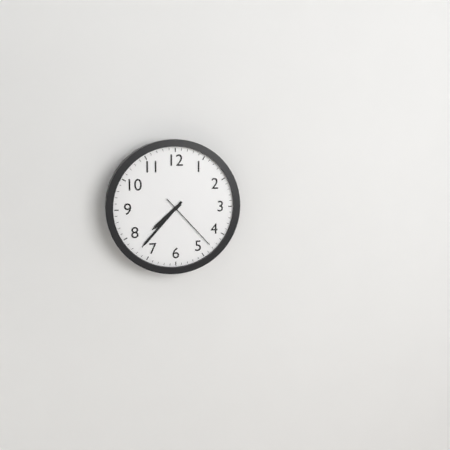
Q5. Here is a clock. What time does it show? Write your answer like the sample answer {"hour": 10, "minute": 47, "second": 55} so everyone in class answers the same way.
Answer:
{"hour": 7, "minute": 37, "second": 23}
